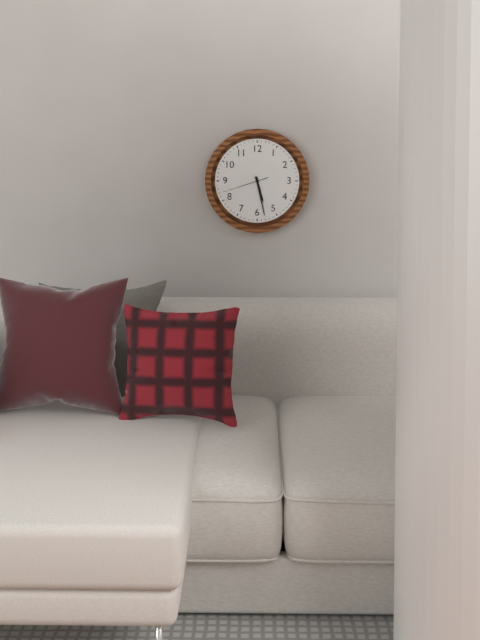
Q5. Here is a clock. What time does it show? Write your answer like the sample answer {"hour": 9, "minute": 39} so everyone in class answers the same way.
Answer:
{"hour": 5, "minute": 28}
